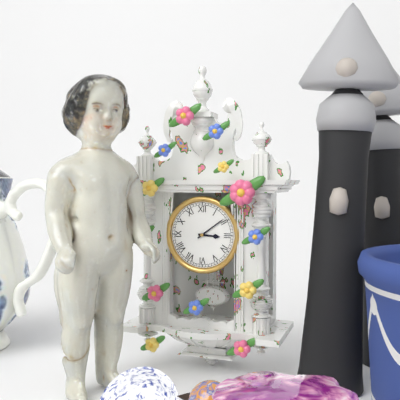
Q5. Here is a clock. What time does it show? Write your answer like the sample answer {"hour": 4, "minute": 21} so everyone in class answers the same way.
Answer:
{"hour": 3, "minute": 9}
